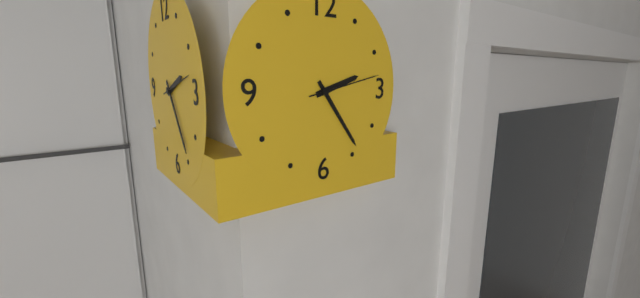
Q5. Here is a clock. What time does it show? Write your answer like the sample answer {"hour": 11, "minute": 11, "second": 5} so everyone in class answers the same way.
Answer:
{"hour": 2, "minute": 24, "second": 13}
